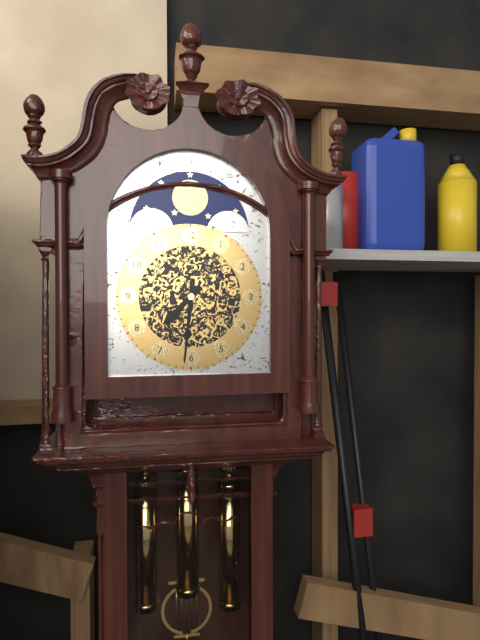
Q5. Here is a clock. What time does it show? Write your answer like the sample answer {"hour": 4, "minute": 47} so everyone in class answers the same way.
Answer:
{"hour": 7, "minute": 31}
